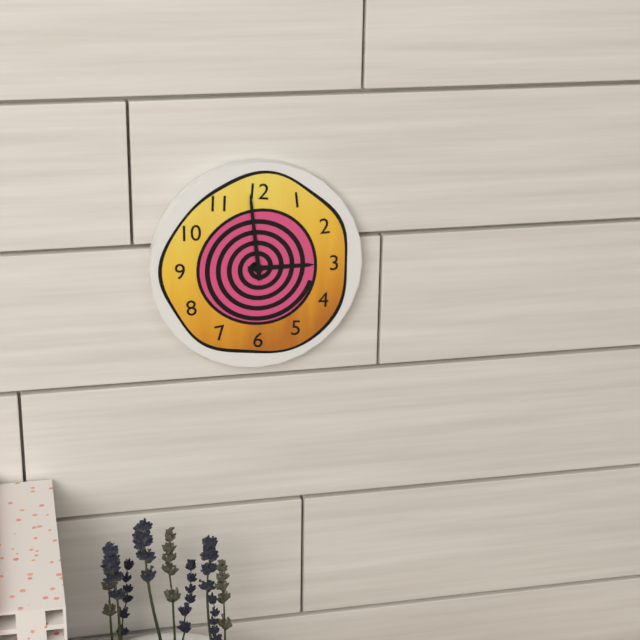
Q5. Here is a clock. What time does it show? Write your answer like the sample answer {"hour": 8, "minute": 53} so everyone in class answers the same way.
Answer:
{"hour": 2, "minute": 59}
